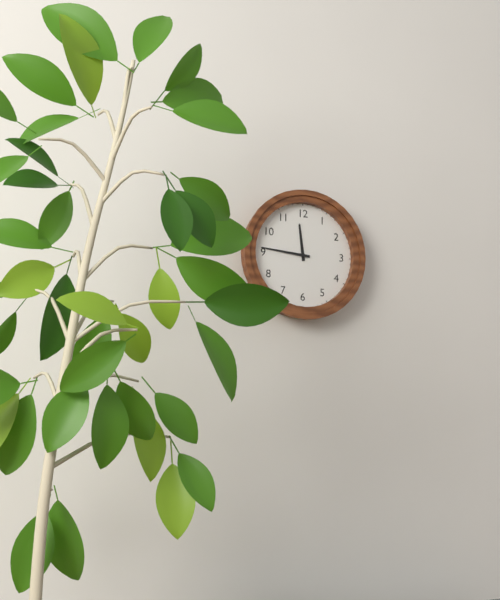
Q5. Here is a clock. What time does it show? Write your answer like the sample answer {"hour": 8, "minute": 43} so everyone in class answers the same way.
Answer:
{"hour": 11, "minute": 46}
